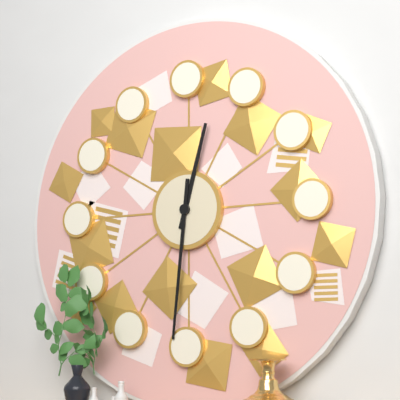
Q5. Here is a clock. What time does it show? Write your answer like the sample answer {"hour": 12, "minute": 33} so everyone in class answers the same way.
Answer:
{"hour": 12, "minute": 31}
